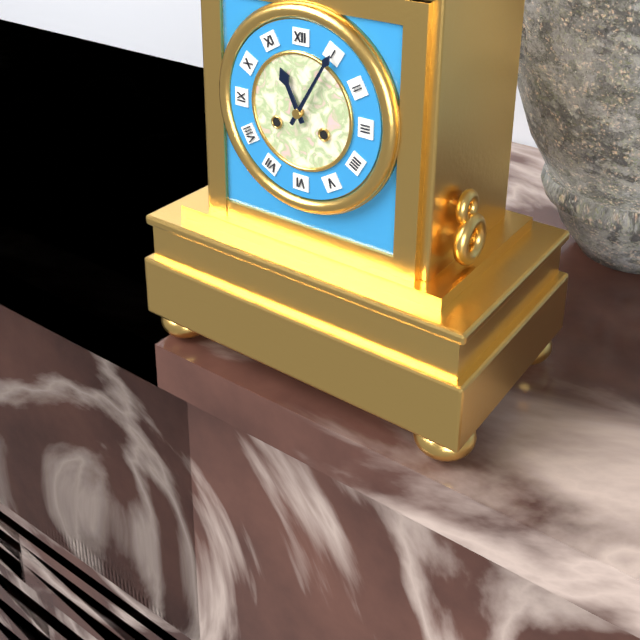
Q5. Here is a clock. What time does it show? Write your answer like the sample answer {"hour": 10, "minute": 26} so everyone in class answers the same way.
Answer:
{"hour": 11, "minute": 5}
